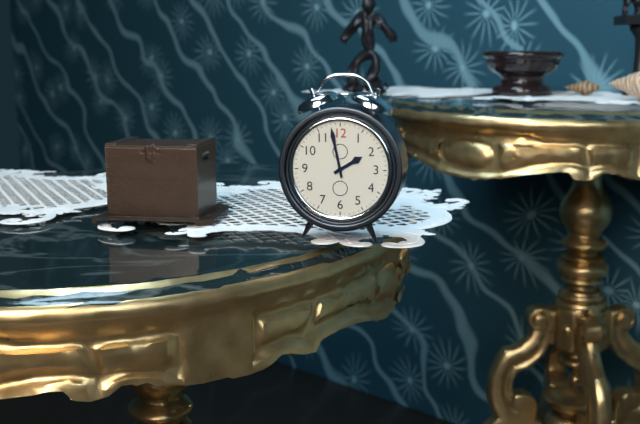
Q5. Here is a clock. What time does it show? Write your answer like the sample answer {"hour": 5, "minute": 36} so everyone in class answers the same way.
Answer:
{"hour": 1, "minute": 58}
